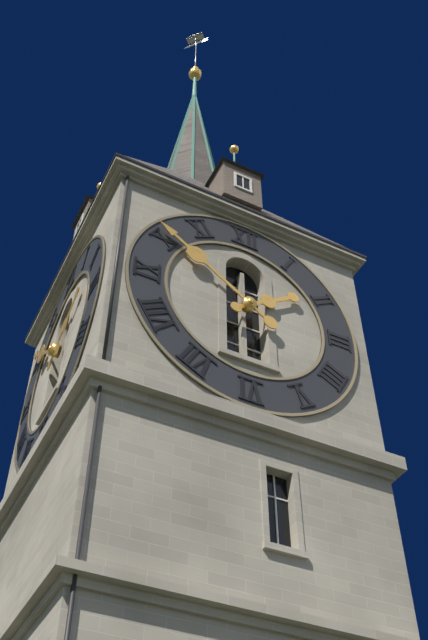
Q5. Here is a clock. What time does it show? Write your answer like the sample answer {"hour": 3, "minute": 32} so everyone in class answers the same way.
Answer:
{"hour": 1, "minute": 51}
